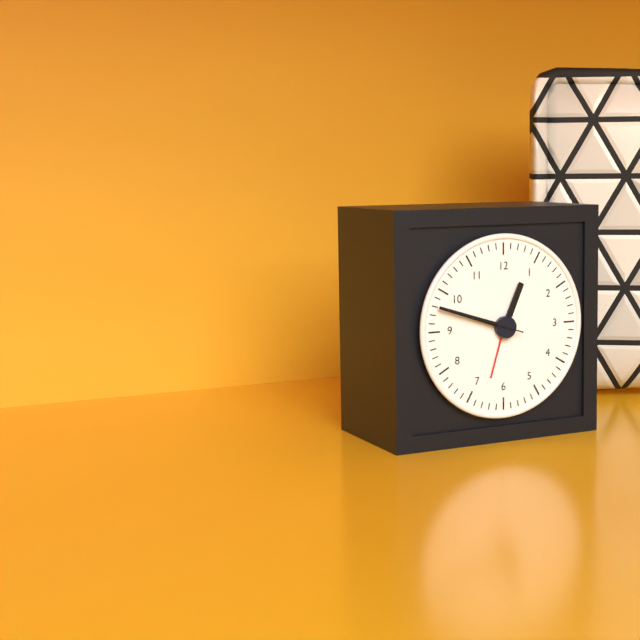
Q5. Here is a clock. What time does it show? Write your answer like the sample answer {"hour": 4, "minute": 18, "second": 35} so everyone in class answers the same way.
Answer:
{"hour": 12, "minute": 48, "second": 48}
